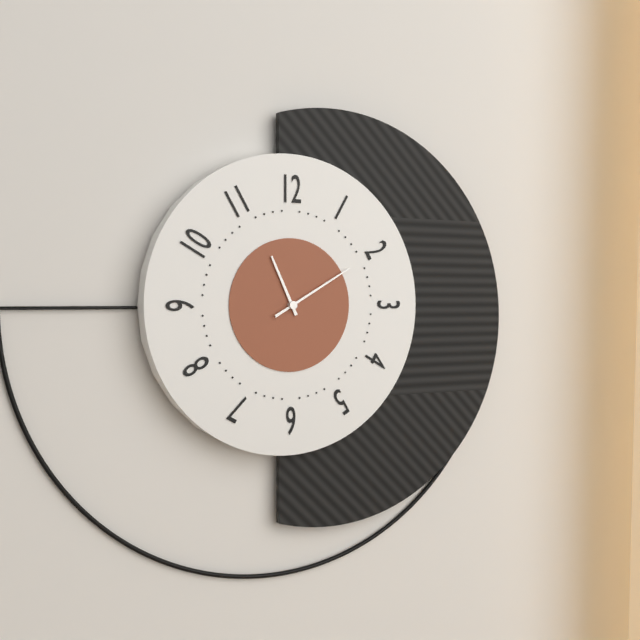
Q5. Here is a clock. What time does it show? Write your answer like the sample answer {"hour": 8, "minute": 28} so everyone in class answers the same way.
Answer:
{"hour": 11, "minute": 10}
